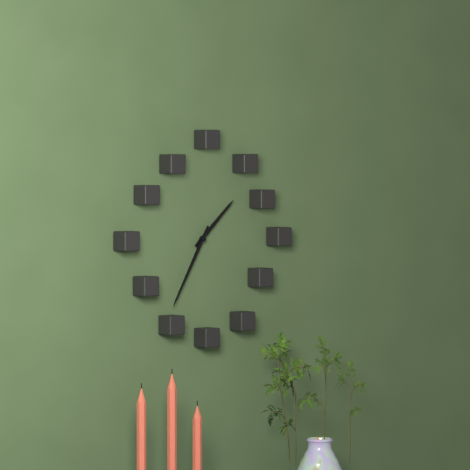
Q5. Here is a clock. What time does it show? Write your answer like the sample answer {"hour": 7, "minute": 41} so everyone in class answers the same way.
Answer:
{"hour": 1, "minute": 35}
